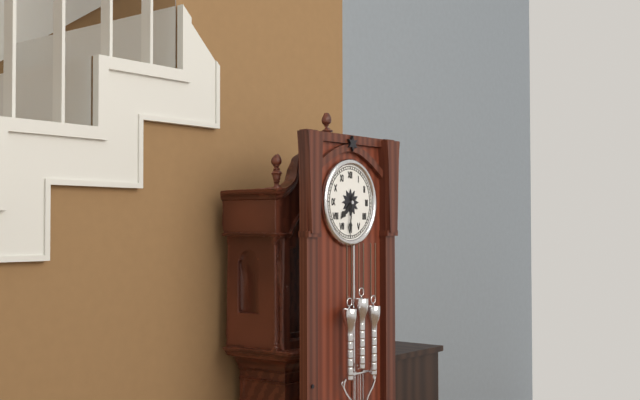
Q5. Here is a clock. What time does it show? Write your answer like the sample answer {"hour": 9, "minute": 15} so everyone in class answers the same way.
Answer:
{"hour": 7, "minute": 31}
